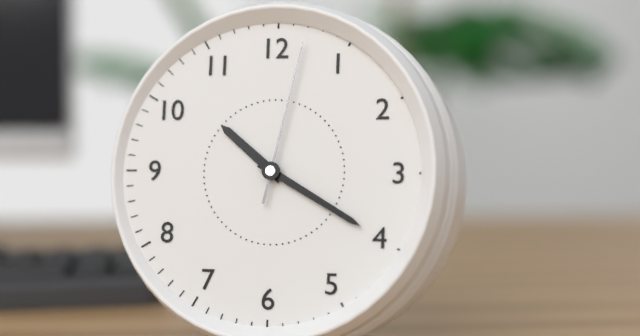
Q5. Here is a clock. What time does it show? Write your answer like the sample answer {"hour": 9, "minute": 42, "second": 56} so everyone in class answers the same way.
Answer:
{"hour": 10, "minute": 20, "second": 2}
